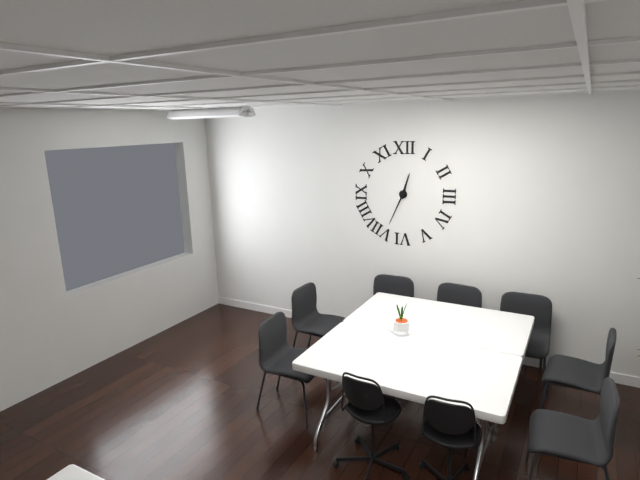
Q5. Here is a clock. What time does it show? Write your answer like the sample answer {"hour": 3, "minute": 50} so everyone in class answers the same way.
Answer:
{"hour": 12, "minute": 34}
